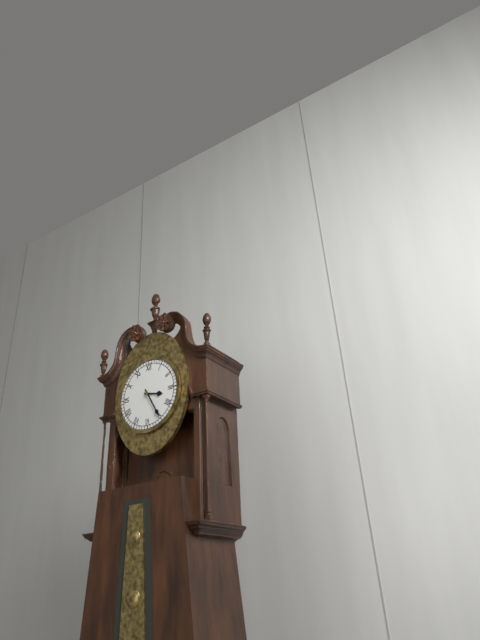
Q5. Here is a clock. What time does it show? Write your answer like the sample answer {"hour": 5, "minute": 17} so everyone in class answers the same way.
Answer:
{"hour": 3, "minute": 25}
